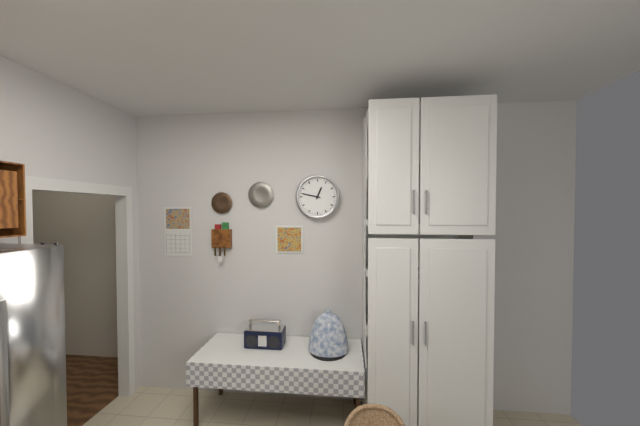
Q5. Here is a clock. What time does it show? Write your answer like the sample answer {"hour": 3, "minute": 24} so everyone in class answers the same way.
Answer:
{"hour": 12, "minute": 47}
